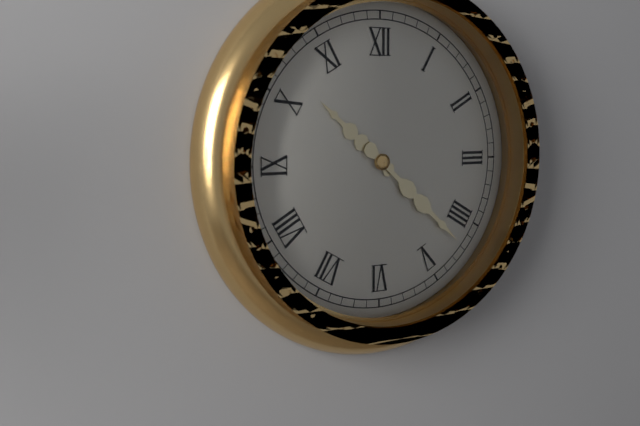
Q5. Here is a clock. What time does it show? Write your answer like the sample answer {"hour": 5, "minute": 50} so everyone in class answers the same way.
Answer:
{"hour": 10, "minute": 22}
